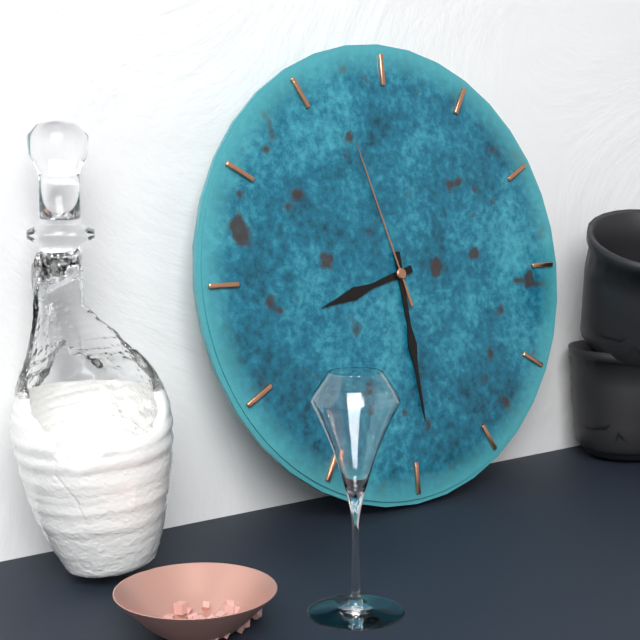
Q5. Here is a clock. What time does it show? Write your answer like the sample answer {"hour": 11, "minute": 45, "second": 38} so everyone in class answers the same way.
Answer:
{"hour": 8, "minute": 29, "second": 57}
